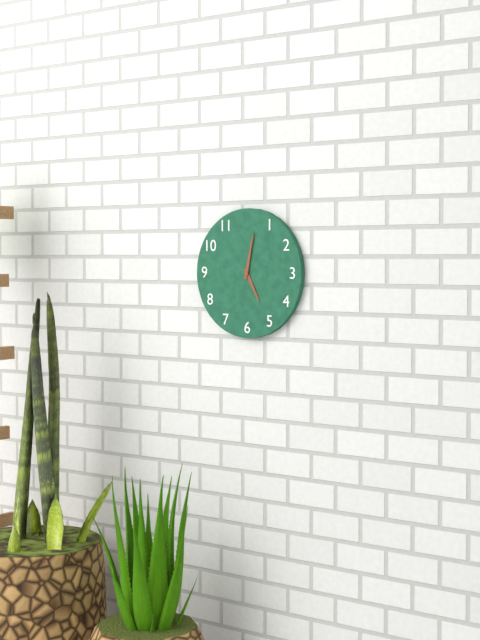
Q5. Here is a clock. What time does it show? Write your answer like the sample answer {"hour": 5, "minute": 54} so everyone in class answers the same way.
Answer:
{"hour": 5, "minute": 2}
